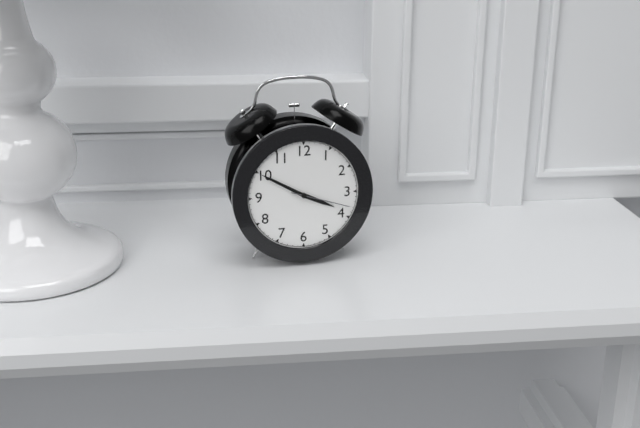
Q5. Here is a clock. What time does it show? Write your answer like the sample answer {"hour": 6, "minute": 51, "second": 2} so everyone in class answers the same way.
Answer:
{"hour": 3, "minute": 50, "second": 18}
